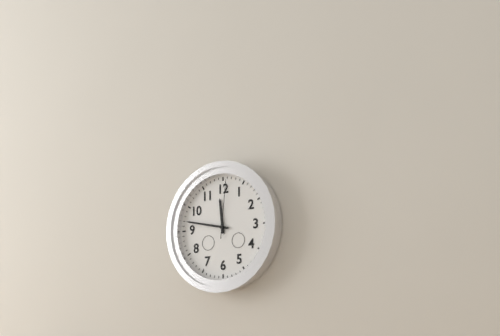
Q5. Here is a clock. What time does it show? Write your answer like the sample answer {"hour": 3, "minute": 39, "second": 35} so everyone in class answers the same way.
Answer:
{"hour": 11, "minute": 47, "second": 1}
